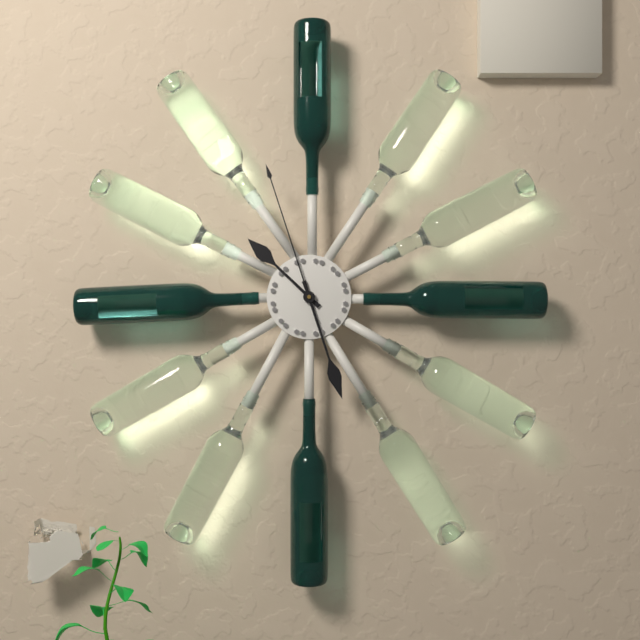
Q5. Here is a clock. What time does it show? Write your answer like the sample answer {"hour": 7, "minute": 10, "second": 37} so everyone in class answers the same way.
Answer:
{"hour": 10, "minute": 27, "second": 57}
